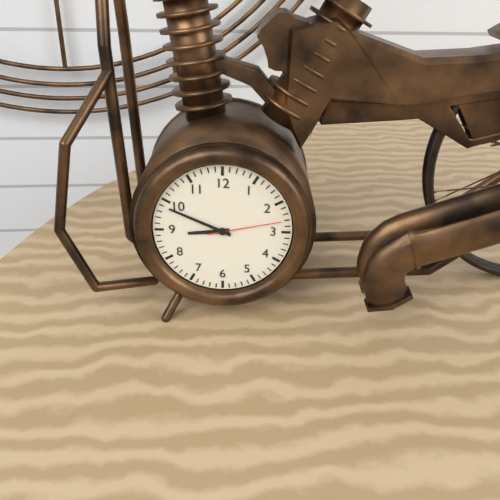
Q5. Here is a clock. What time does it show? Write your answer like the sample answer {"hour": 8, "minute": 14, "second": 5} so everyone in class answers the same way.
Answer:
{"hour": 8, "minute": 49, "second": 13}
